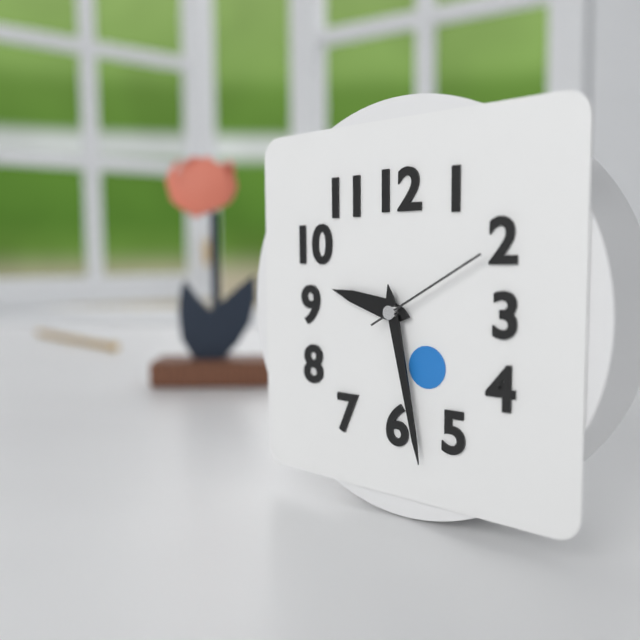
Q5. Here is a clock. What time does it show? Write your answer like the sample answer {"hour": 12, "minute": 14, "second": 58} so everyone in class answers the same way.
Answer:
{"hour": 9, "minute": 28, "second": 10}
